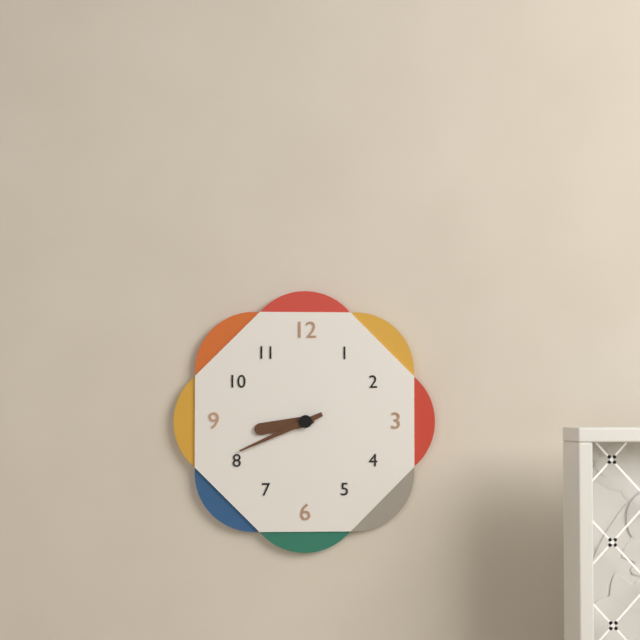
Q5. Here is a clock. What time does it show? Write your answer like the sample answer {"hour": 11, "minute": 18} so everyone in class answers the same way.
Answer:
{"hour": 8, "minute": 41}
